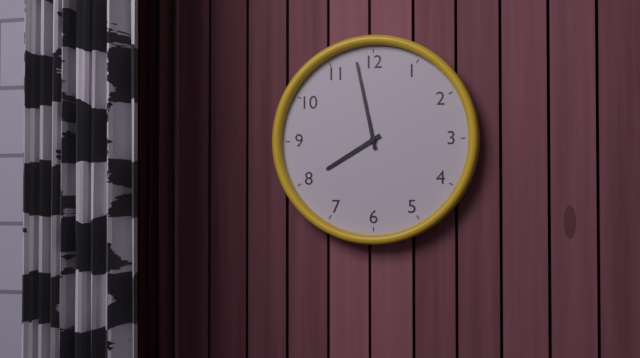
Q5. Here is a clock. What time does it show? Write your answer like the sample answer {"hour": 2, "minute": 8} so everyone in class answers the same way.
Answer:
{"hour": 7, "minute": 58}
